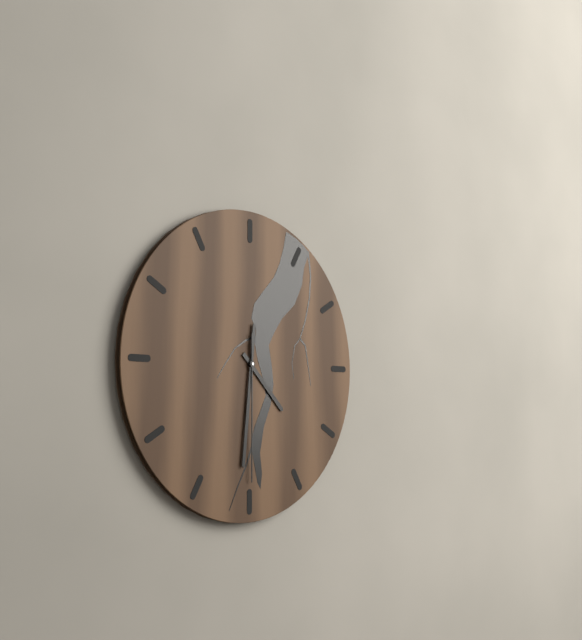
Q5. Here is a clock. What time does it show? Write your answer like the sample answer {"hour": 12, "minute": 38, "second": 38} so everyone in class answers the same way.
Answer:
{"hour": 4, "minute": 31, "second": 30}
